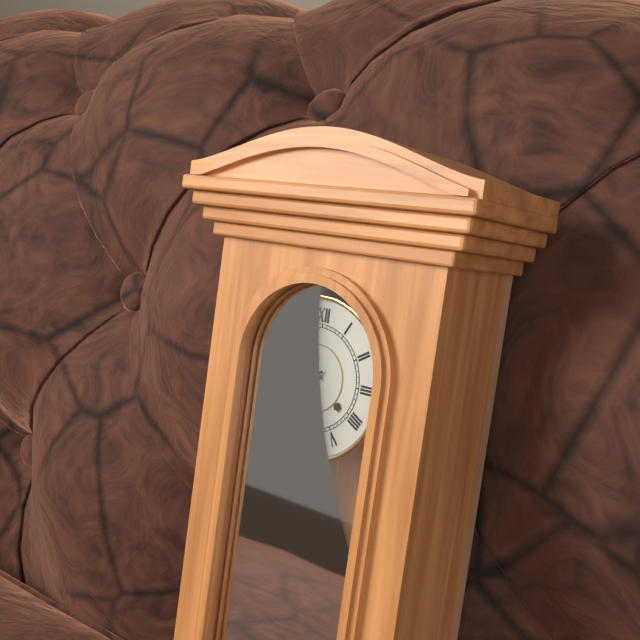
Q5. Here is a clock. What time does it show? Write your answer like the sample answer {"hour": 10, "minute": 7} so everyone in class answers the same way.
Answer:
{"hour": 8, "minute": 38}
